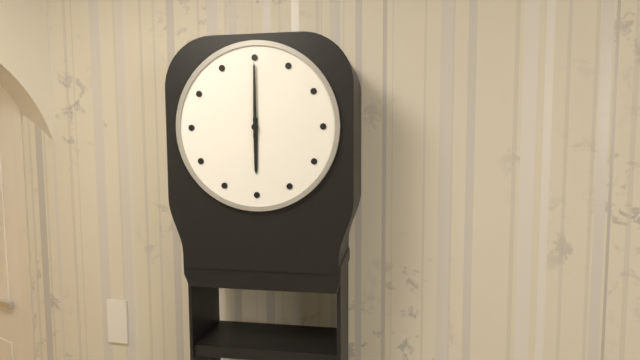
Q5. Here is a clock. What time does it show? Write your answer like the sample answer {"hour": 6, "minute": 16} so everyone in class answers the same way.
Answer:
{"hour": 6, "minute": 0}
